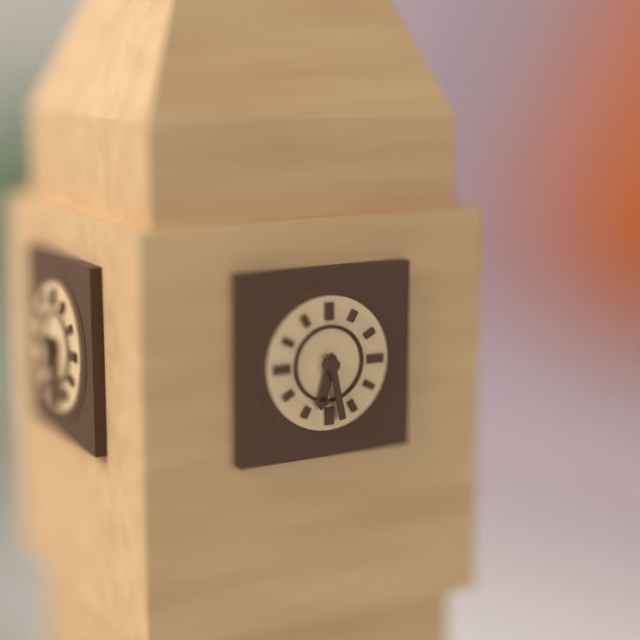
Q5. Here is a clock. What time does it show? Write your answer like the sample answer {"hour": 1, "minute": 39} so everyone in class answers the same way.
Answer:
{"hour": 6, "minute": 28}
